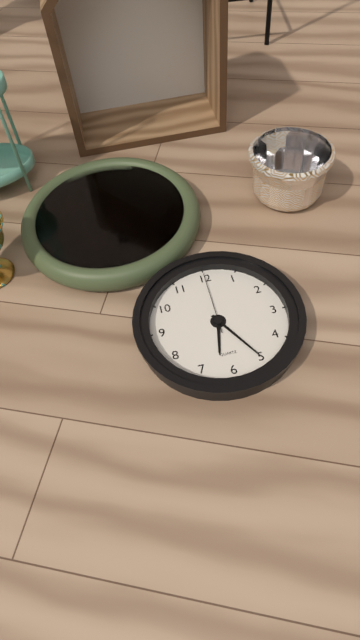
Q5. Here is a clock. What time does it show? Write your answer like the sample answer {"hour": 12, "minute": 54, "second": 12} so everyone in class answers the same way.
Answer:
{"hour": 6, "minute": 25, "second": 0}
